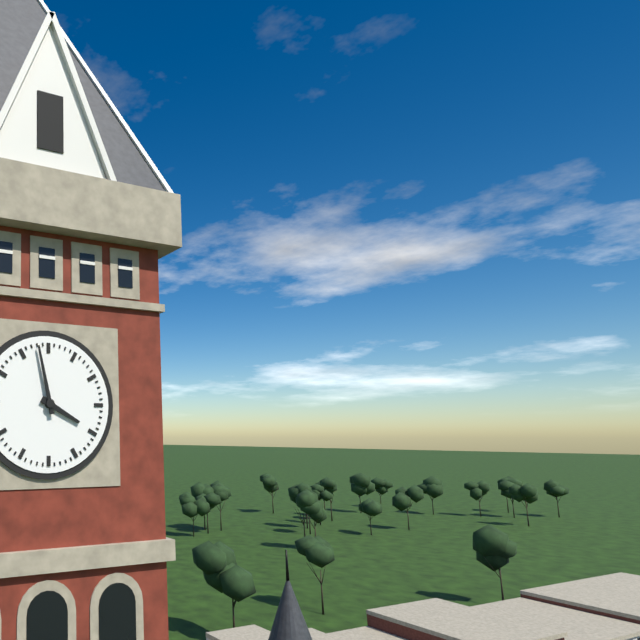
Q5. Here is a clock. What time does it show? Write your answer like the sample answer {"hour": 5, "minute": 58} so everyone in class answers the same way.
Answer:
{"hour": 3, "minute": 58}
